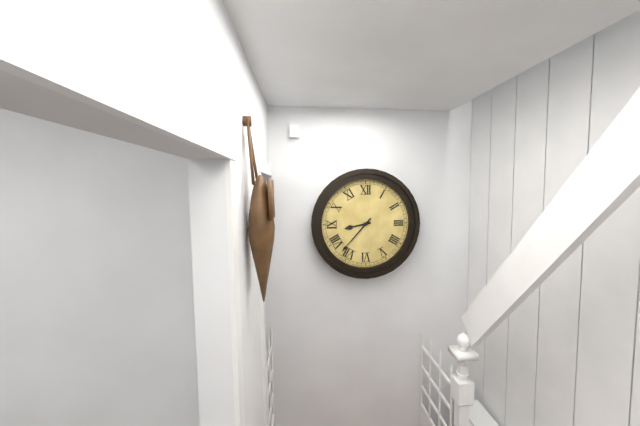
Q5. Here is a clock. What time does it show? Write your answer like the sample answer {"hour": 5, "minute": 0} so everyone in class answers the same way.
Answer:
{"hour": 8, "minute": 37}
